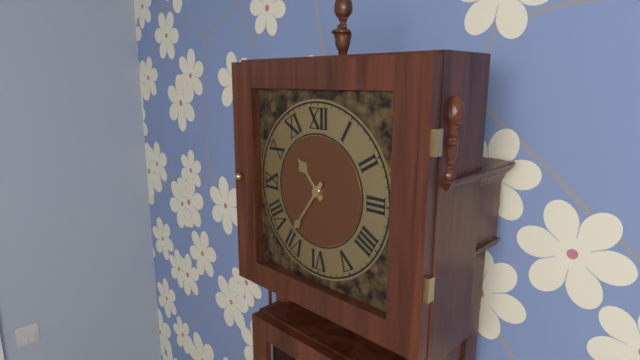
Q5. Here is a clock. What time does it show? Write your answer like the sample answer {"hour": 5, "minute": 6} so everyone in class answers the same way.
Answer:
{"hour": 10, "minute": 36}
